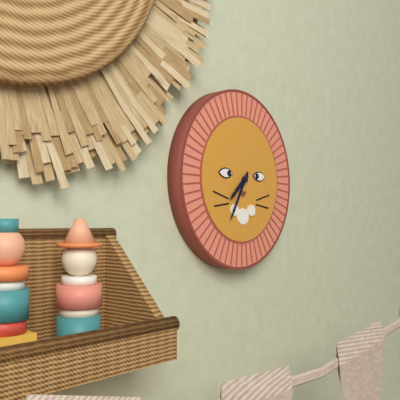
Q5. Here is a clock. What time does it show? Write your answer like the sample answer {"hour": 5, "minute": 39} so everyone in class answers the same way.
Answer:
{"hour": 7, "minute": 35}
